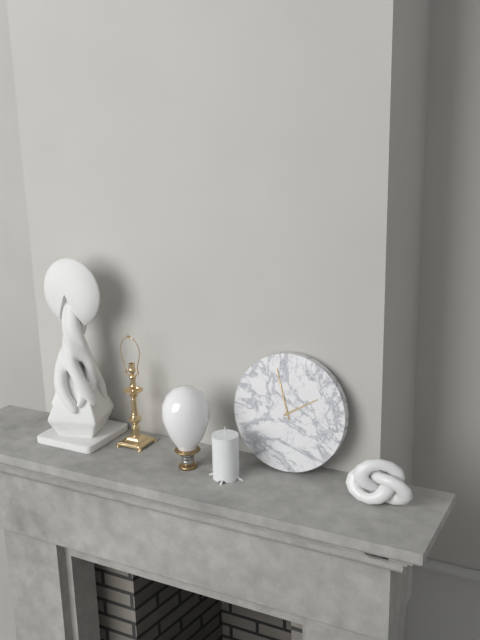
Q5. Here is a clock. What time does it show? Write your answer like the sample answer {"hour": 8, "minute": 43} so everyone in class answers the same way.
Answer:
{"hour": 1, "minute": 57}
